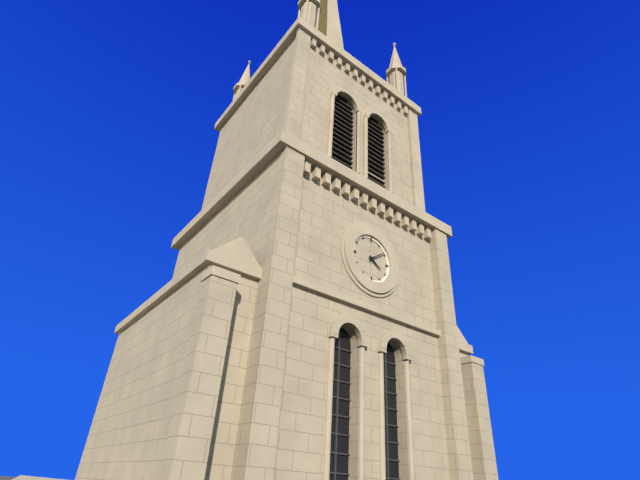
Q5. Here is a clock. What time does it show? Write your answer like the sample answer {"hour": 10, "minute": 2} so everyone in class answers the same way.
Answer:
{"hour": 4, "minute": 9}
